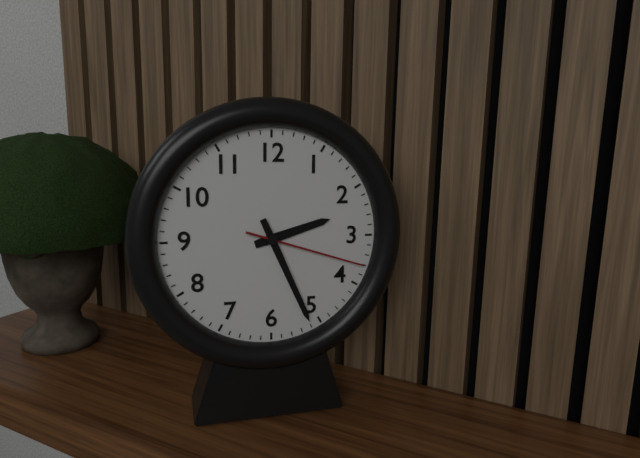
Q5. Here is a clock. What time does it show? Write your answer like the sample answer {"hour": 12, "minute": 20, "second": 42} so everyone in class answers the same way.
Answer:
{"hour": 2, "minute": 26, "second": 18}
